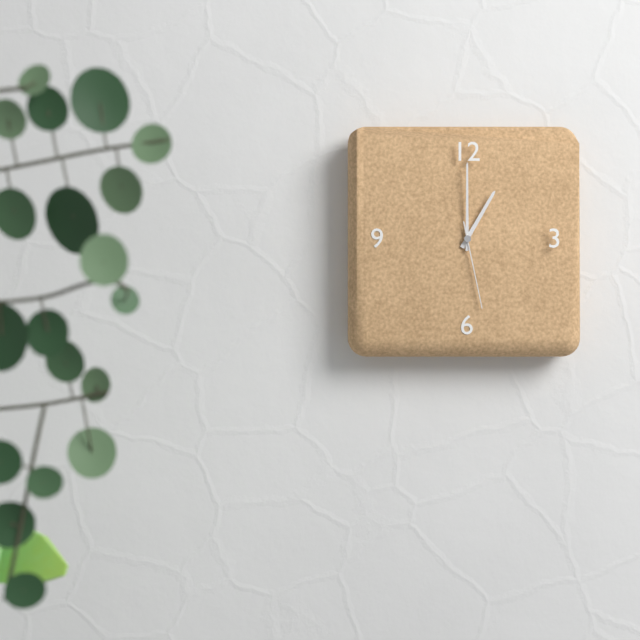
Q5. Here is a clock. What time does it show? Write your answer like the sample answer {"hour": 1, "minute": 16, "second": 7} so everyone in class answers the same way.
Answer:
{"hour": 1, "minute": 0, "second": 28}
